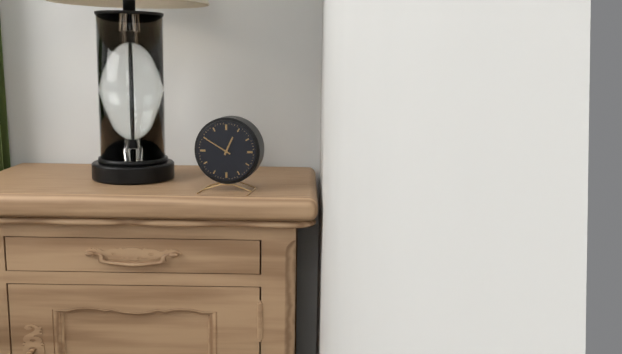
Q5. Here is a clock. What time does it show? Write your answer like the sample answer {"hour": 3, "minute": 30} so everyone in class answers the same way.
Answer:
{"hour": 12, "minute": 50}
